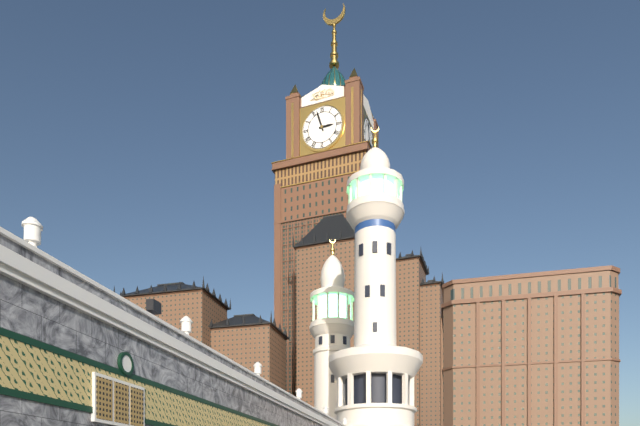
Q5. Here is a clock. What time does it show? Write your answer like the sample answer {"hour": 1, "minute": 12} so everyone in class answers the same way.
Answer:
{"hour": 2, "minute": 57}
